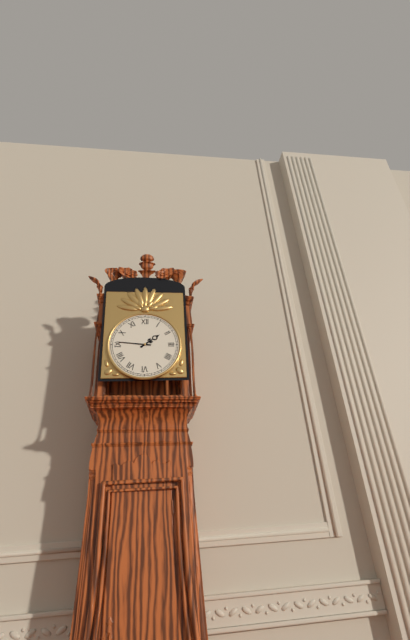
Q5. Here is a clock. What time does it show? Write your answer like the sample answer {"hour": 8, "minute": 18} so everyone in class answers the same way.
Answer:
{"hour": 1, "minute": 46}
